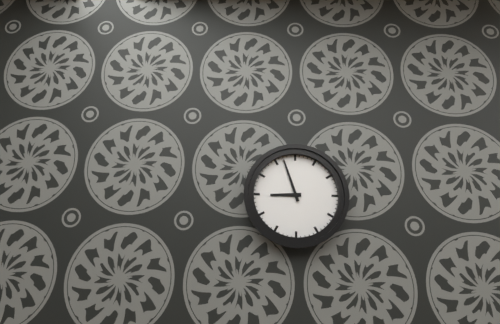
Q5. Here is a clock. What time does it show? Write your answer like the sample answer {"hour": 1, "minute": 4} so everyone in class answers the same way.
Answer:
{"hour": 8, "minute": 57}
